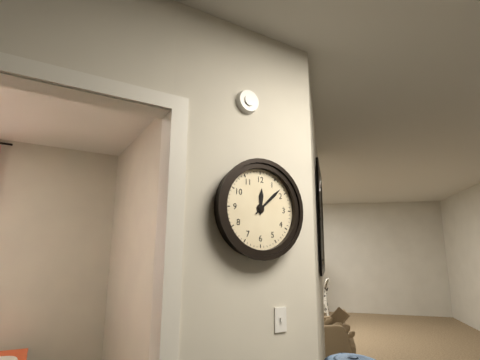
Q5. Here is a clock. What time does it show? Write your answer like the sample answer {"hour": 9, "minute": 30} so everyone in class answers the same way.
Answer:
{"hour": 12, "minute": 8}
